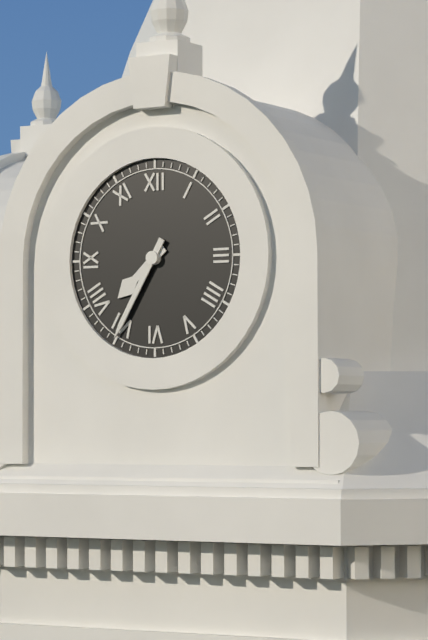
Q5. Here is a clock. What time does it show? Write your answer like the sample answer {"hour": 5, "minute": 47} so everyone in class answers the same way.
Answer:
{"hour": 7, "minute": 35}
